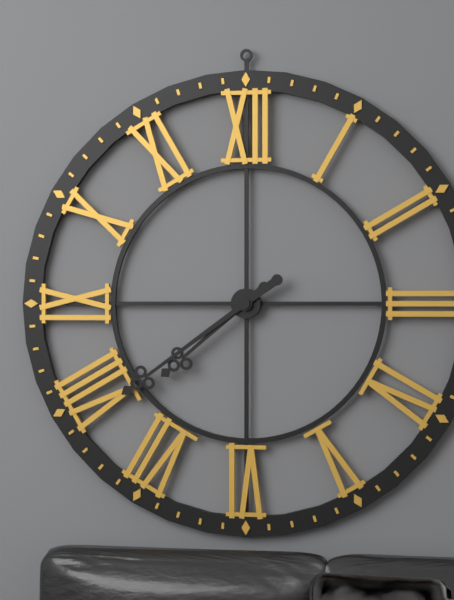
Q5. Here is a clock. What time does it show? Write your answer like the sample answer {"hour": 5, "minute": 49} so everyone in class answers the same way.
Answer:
{"hour": 7, "minute": 39}
